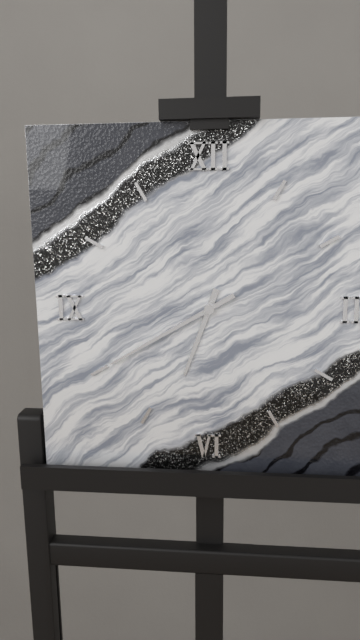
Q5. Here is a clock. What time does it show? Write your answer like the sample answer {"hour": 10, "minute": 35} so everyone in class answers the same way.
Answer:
{"hour": 6, "minute": 40}
